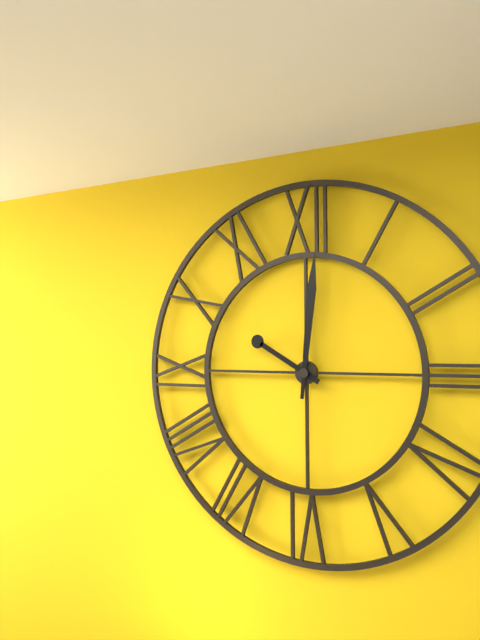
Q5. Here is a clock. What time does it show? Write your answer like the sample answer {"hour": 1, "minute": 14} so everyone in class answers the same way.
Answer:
{"hour": 10, "minute": 1}
